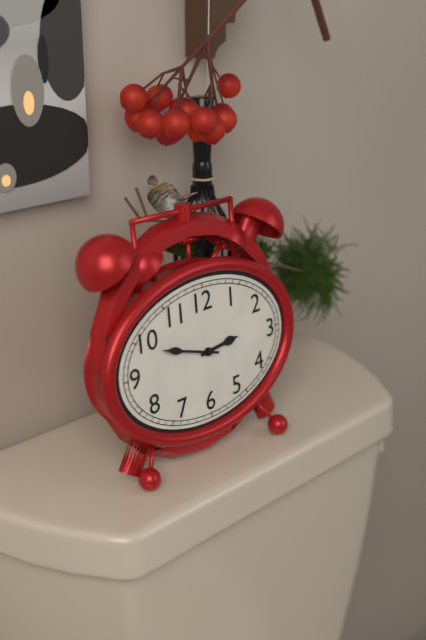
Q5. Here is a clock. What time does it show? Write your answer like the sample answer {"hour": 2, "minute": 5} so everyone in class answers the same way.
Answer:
{"hour": 2, "minute": 48}
